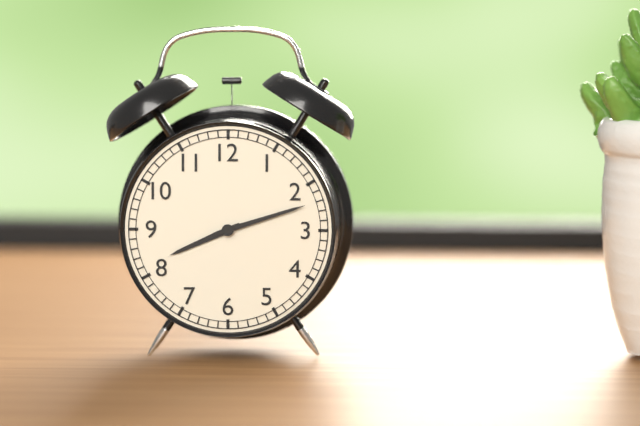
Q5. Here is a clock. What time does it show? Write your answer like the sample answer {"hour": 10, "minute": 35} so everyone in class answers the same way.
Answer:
{"hour": 8, "minute": 12}
